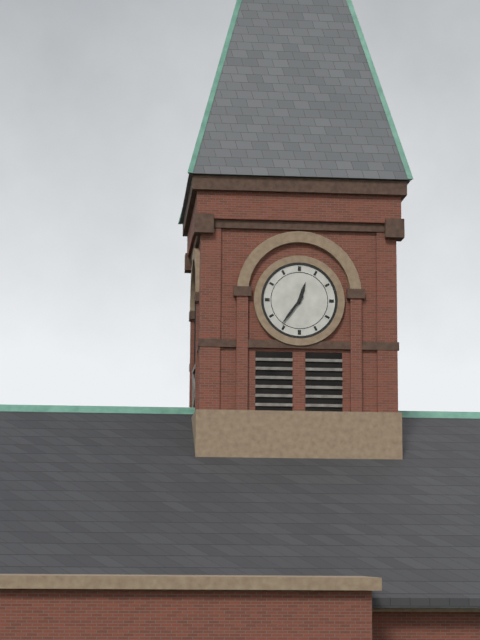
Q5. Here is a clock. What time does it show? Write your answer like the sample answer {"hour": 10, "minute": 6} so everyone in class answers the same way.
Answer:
{"hour": 12, "minute": 36}
